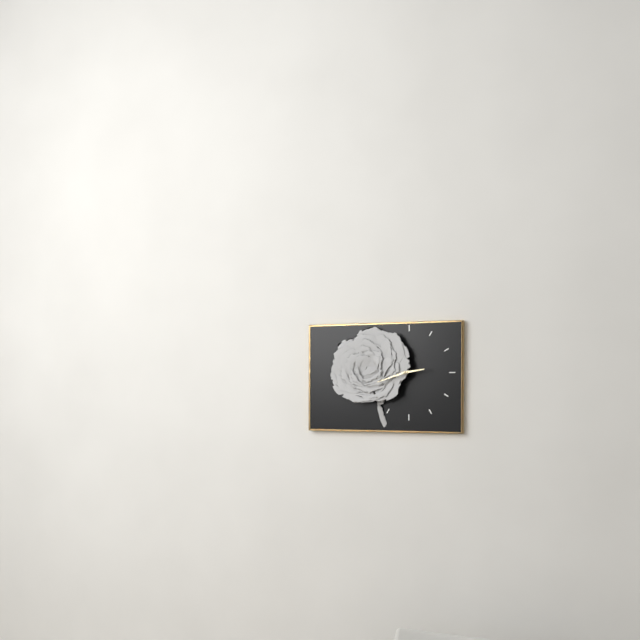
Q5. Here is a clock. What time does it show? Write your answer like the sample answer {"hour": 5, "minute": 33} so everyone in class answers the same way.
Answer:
{"hour": 2, "minute": 42}
